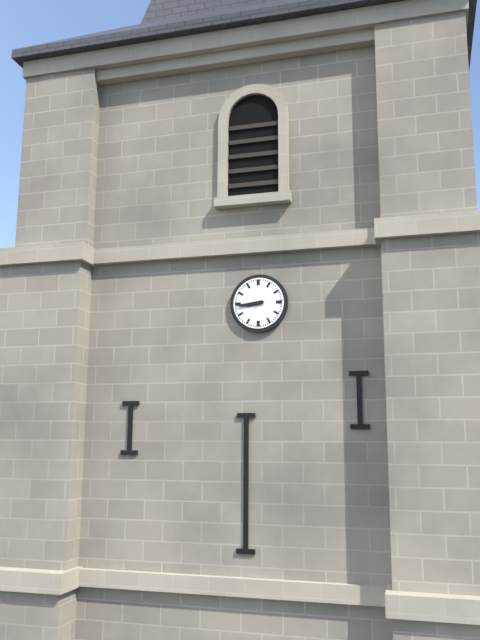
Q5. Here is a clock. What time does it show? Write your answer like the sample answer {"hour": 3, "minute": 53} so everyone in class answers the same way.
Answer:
{"hour": 8, "minute": 44}
